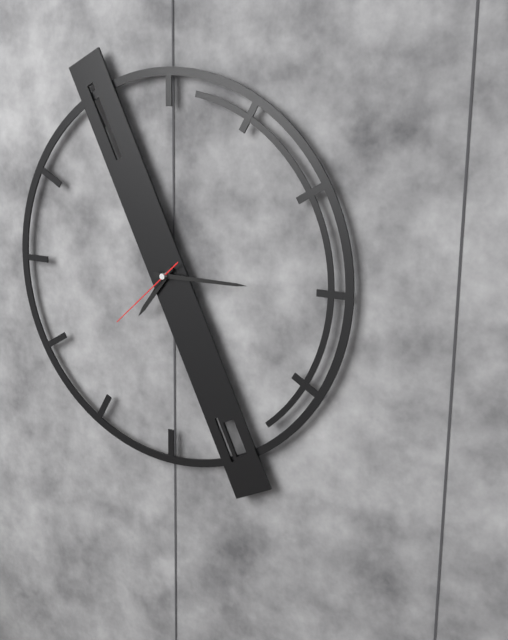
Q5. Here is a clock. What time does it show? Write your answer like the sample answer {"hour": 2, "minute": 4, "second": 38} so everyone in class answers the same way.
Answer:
{"hour": 7, "minute": 15, "second": 38}
